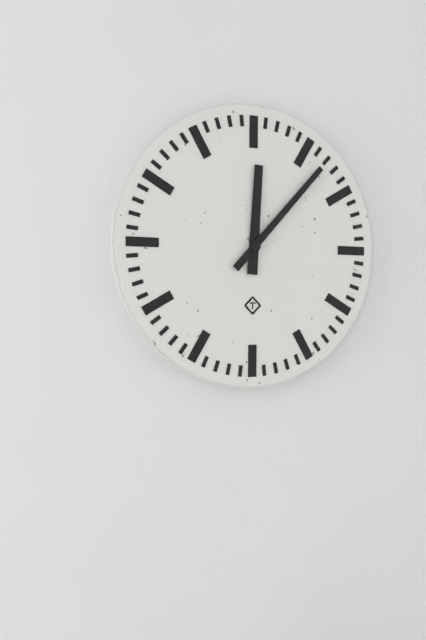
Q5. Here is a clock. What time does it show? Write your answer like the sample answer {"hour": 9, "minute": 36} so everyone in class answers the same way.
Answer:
{"hour": 12, "minute": 7}
